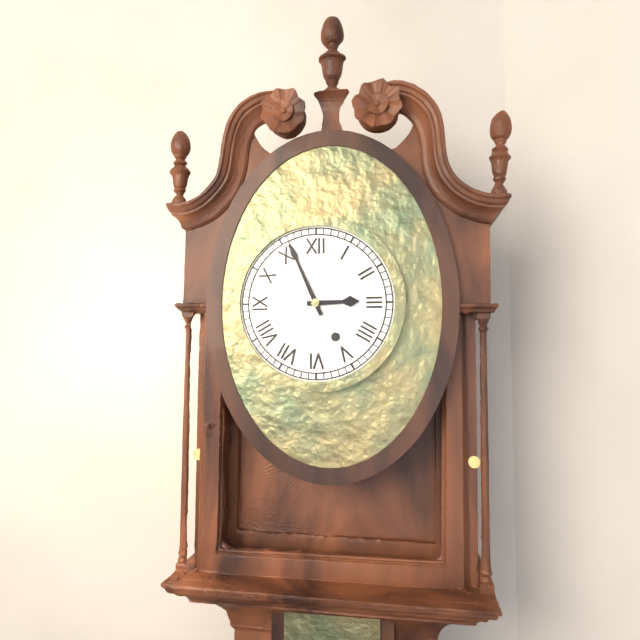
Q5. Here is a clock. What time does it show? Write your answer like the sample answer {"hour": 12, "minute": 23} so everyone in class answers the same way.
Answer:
{"hour": 2, "minute": 56}
